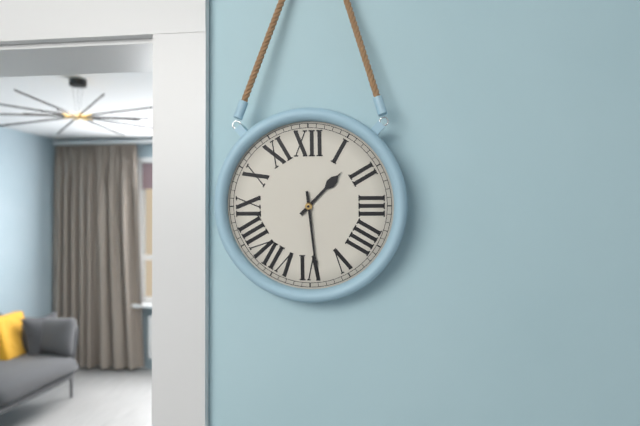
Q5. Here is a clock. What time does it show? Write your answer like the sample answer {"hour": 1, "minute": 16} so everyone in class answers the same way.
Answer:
{"hour": 1, "minute": 29}
